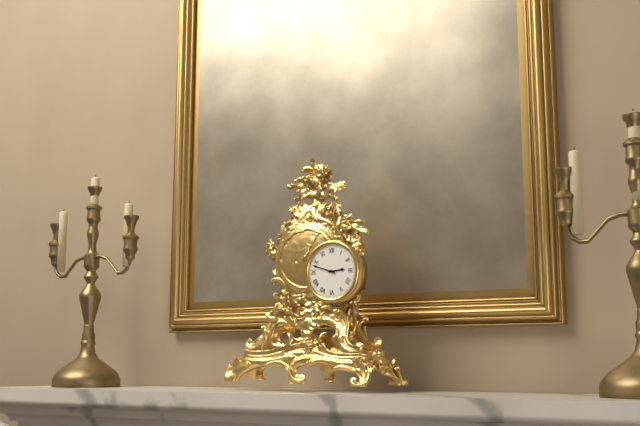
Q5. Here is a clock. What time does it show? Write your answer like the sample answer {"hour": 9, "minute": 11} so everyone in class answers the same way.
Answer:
{"hour": 2, "minute": 48}
